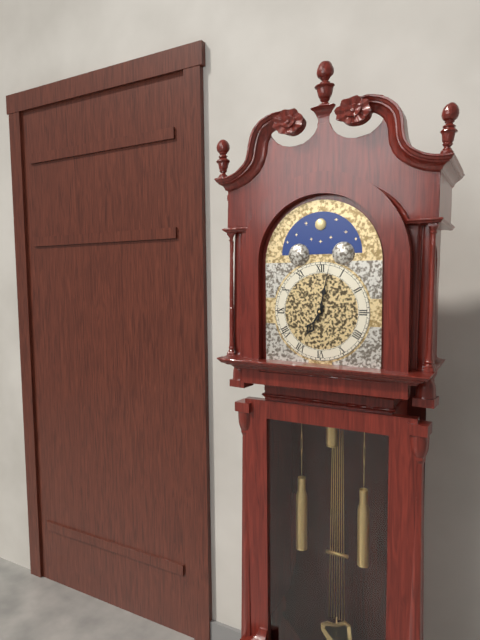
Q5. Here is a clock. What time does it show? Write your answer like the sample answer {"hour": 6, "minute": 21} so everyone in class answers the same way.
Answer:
{"hour": 7, "minute": 2}
